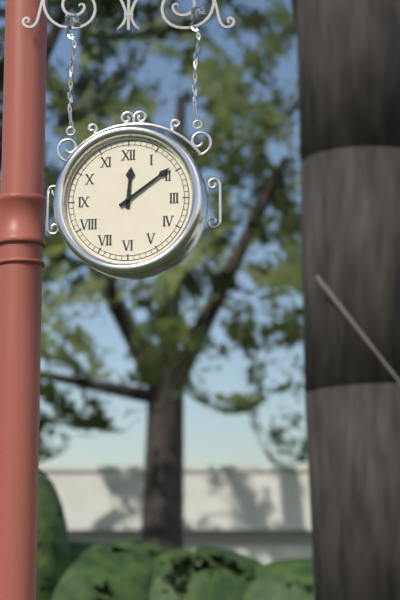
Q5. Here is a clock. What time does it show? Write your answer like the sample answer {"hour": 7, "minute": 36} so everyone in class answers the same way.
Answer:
{"hour": 12, "minute": 9}
